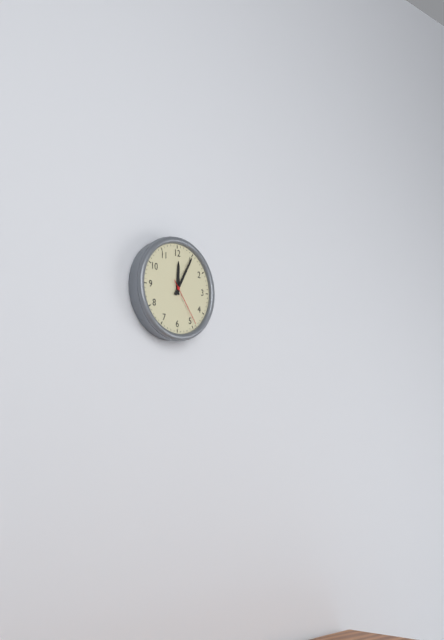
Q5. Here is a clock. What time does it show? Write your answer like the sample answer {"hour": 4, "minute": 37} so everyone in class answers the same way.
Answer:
{"hour": 12, "minute": 5}
